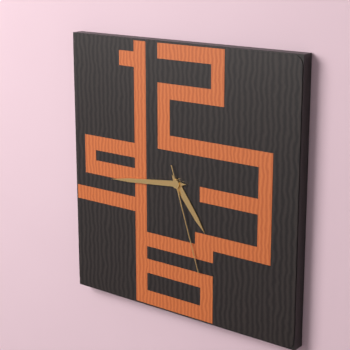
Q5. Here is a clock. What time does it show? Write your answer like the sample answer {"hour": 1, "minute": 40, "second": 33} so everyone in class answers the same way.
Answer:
{"hour": 4, "minute": 44, "second": 27}
